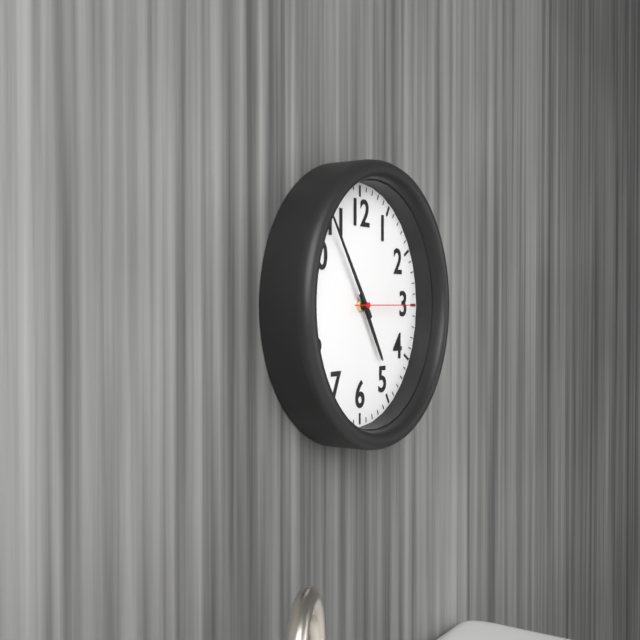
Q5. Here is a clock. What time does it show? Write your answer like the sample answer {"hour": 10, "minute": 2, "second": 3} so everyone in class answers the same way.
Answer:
{"hour": 4, "minute": 54, "second": 15}
